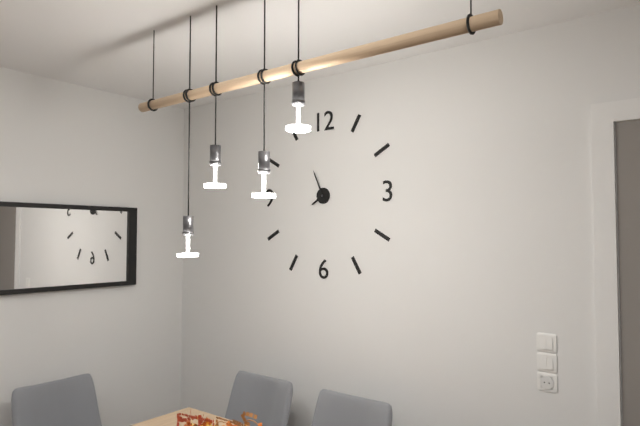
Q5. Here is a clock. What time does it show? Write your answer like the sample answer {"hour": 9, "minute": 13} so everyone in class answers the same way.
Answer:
{"hour": 7, "minute": 56}
